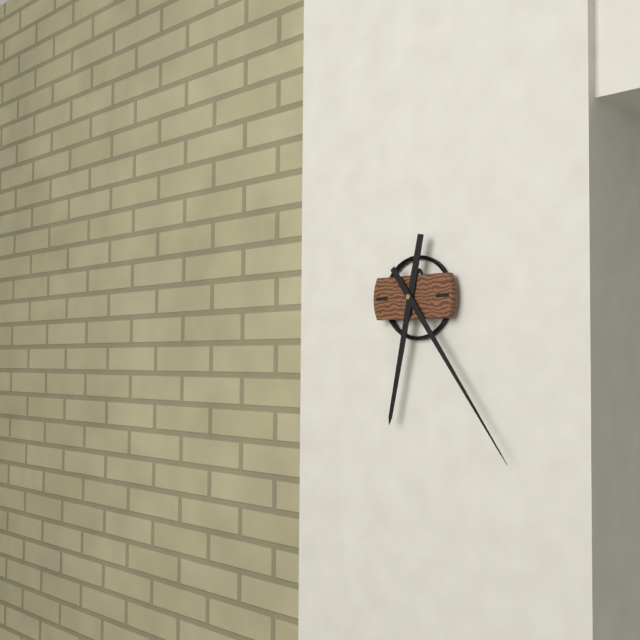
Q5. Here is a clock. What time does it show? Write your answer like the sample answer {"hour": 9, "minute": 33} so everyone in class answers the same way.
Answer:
{"hour": 6, "minute": 24}
